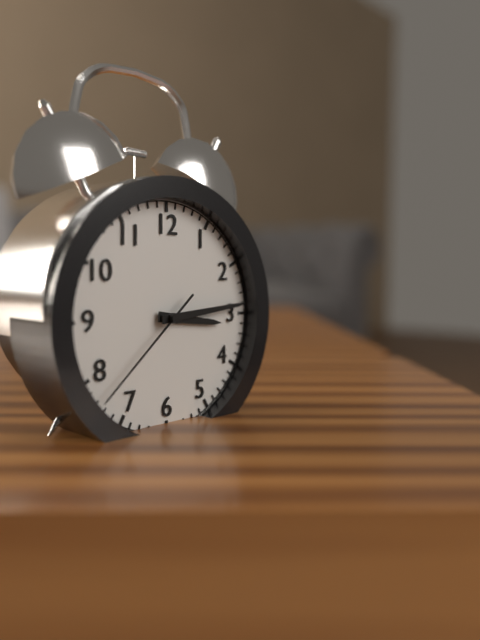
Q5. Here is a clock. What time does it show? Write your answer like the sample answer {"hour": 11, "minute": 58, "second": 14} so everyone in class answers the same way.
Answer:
{"hour": 3, "minute": 14, "second": 38}
